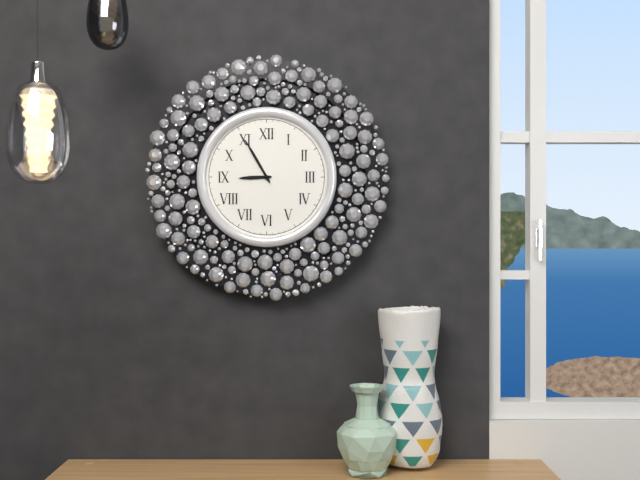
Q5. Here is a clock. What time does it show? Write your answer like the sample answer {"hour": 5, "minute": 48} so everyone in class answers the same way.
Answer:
{"hour": 8, "minute": 55}
